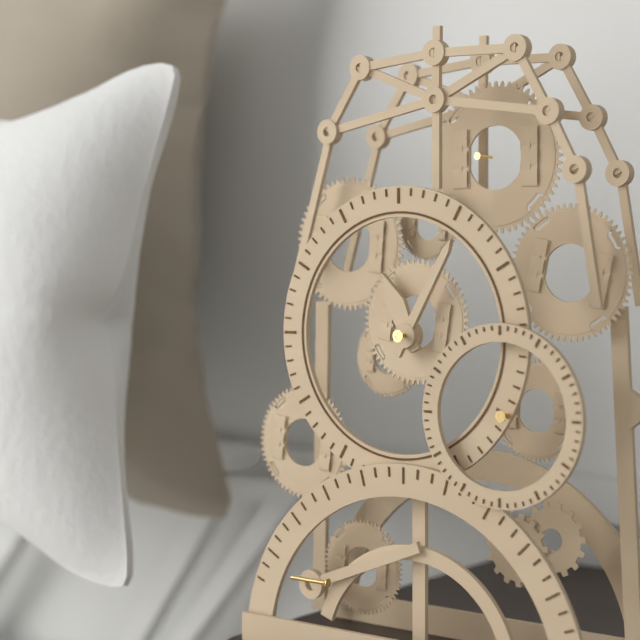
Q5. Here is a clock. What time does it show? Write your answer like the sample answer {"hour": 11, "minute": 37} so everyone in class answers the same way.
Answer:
{"hour": 11, "minute": 5}
